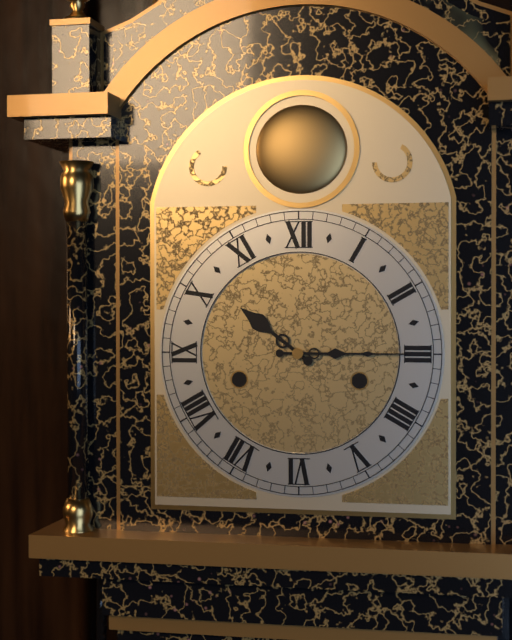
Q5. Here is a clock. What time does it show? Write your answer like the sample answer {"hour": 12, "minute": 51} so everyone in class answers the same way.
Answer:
{"hour": 10, "minute": 15}
